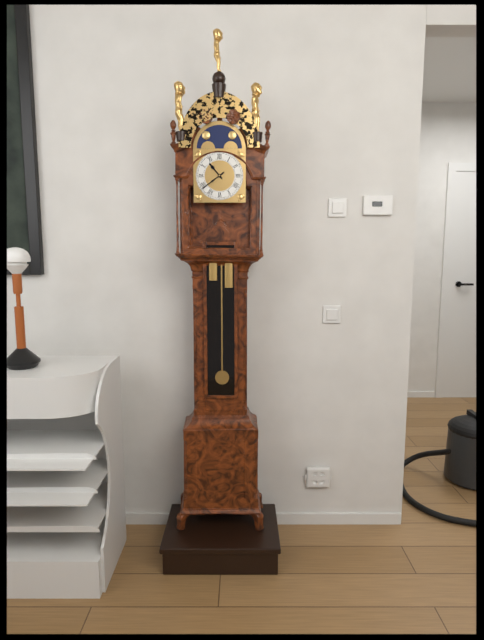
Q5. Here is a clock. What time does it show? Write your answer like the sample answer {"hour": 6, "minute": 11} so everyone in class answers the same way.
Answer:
{"hour": 10, "minute": 39}
